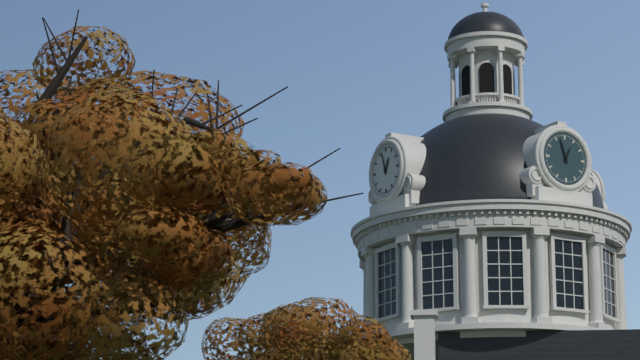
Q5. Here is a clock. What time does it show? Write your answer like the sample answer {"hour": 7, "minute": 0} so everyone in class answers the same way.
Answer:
{"hour": 12, "minute": 57}
